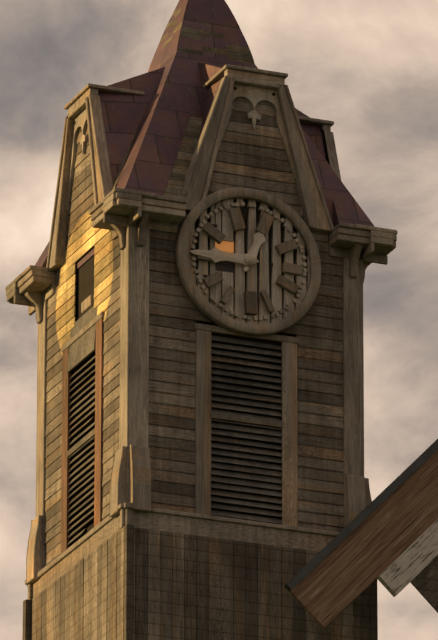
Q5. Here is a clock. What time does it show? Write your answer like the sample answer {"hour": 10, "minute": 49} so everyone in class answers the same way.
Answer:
{"hour": 12, "minute": 45}
